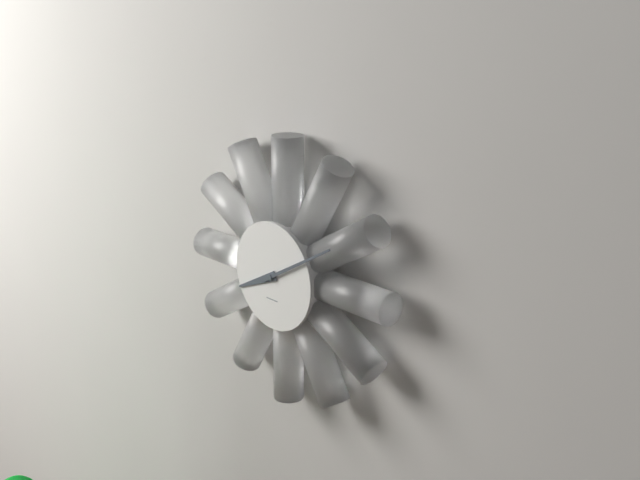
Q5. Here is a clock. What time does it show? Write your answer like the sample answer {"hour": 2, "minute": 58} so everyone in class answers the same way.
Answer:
{"hour": 8, "minute": 10}
